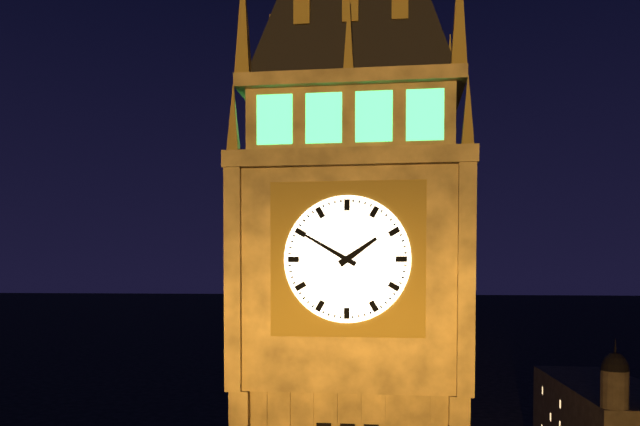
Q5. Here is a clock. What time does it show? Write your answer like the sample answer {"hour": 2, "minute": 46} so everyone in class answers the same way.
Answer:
{"hour": 1, "minute": 50}
